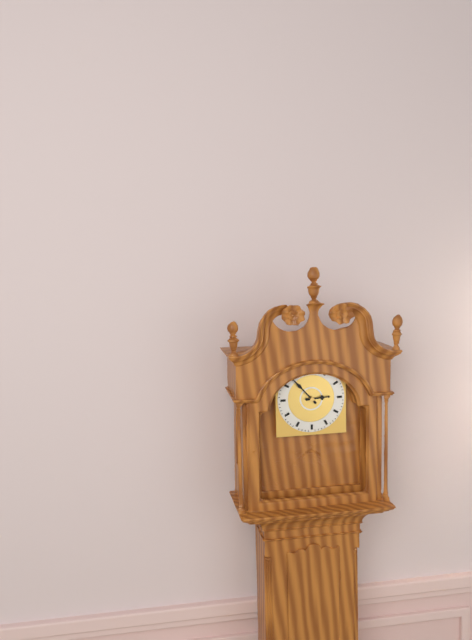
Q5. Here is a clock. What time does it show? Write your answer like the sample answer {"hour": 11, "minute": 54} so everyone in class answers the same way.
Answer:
{"hour": 2, "minute": 53}
